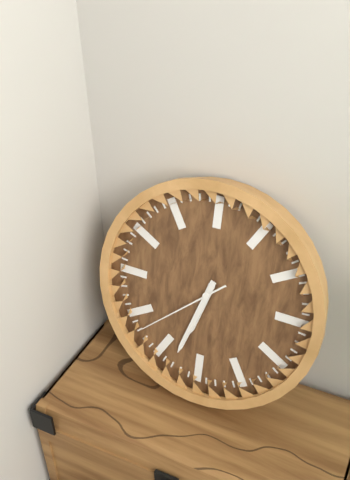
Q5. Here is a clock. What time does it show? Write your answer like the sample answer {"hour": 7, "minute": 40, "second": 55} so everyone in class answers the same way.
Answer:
{"hour": 6, "minute": 33, "second": 38}
